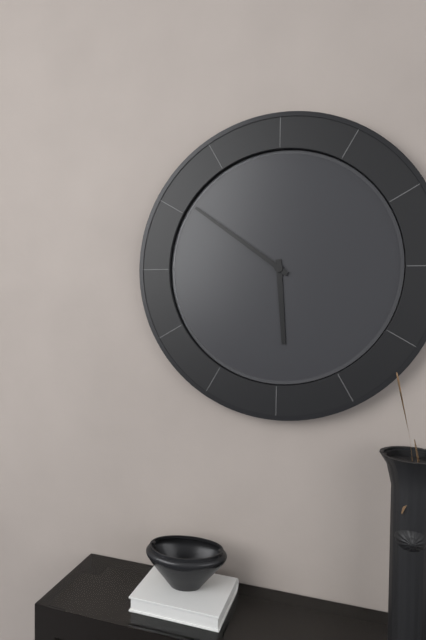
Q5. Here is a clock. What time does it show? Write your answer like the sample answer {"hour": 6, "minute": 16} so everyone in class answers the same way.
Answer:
{"hour": 5, "minute": 51}
